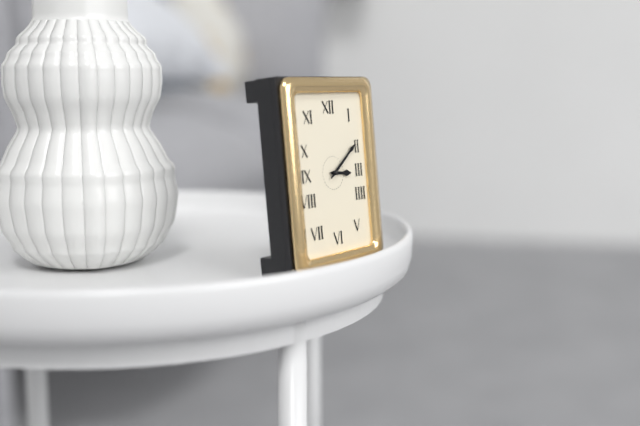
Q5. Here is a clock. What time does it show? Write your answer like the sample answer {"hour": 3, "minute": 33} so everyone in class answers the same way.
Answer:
{"hour": 3, "minute": 9}
